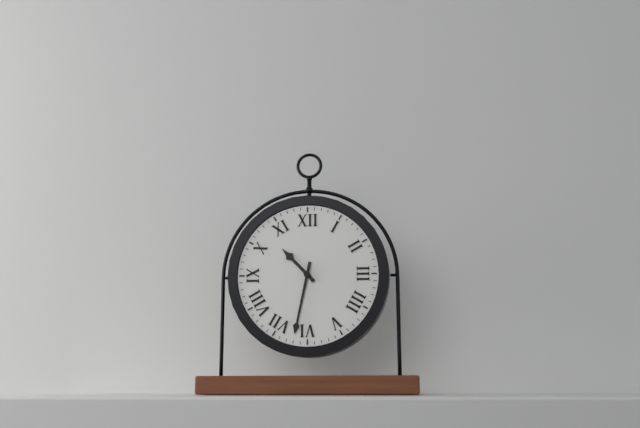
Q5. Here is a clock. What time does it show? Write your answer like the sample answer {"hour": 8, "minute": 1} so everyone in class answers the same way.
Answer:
{"hour": 10, "minute": 32}
